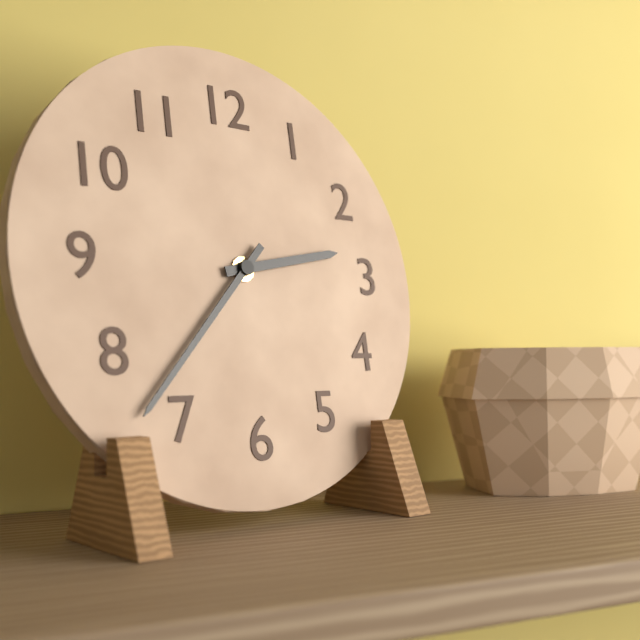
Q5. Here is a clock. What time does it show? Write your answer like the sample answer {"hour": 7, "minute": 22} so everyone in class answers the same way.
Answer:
{"hour": 2, "minute": 37}
